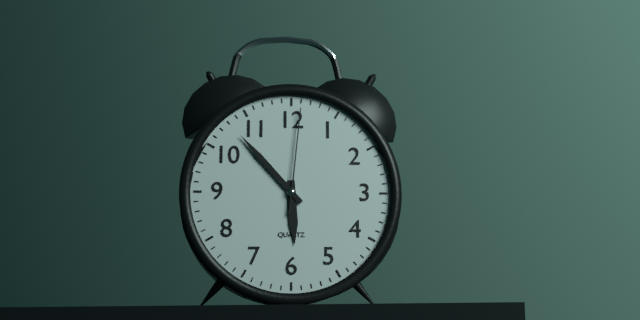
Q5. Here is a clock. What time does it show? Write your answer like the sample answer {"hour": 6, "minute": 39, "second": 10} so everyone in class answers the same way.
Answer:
{"hour": 5, "minute": 53, "second": 1}
